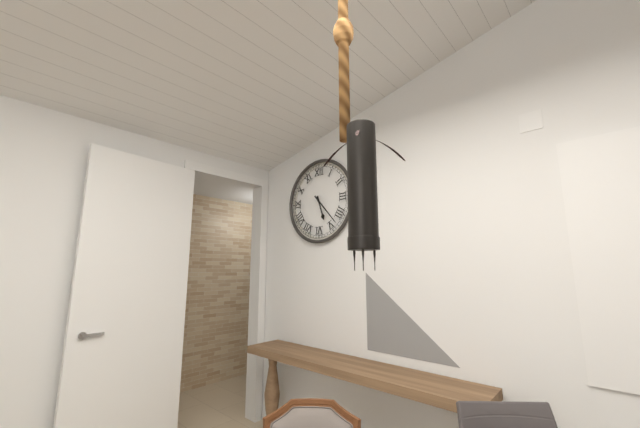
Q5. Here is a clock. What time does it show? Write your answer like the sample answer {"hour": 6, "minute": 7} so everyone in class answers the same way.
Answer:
{"hour": 5, "minute": 23}
